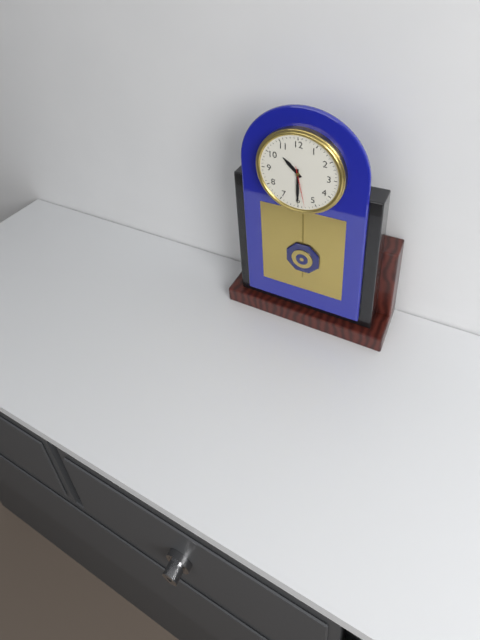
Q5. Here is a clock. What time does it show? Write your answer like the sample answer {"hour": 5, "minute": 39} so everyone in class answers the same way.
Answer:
{"hour": 10, "minute": 30}
